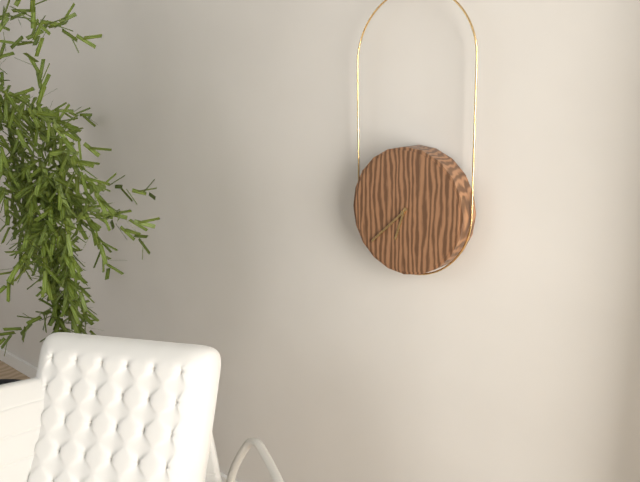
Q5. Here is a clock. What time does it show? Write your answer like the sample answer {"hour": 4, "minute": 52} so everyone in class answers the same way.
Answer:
{"hour": 6, "minute": 38}
